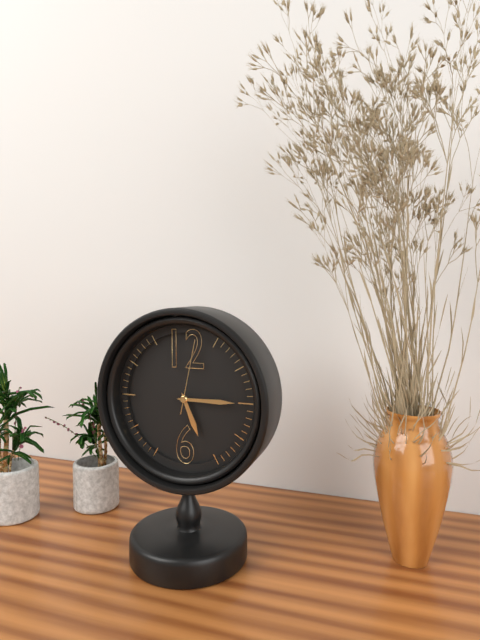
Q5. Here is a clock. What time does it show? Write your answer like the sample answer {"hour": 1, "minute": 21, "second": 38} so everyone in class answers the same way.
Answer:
{"hour": 5, "minute": 15, "second": 2}
